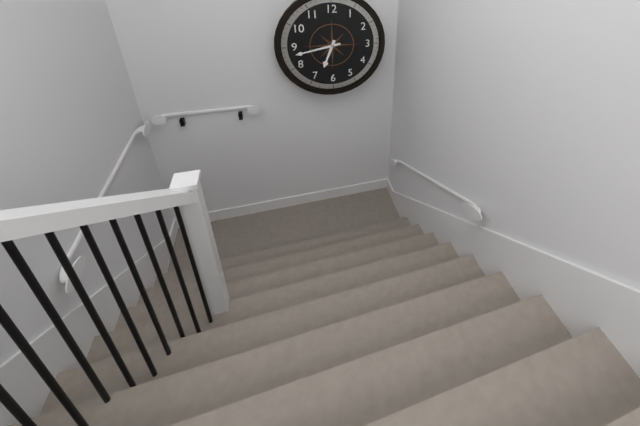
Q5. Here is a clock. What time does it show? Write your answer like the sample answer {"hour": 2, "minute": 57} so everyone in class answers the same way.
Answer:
{"hour": 6, "minute": 43}
